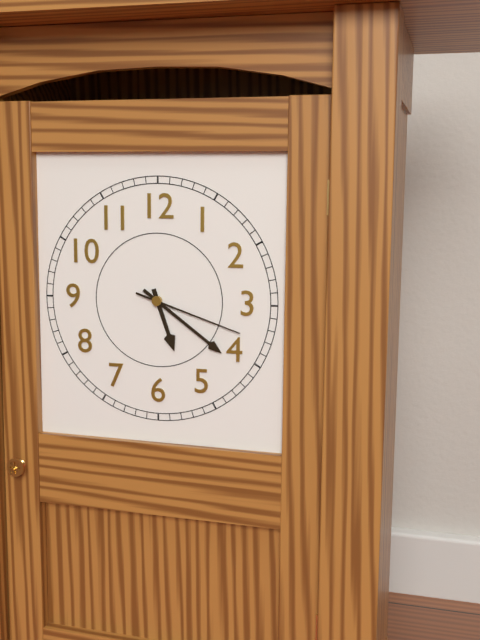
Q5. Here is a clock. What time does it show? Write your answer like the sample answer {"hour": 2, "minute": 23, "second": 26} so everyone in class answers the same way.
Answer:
{"hour": 5, "minute": 21, "second": 18}
